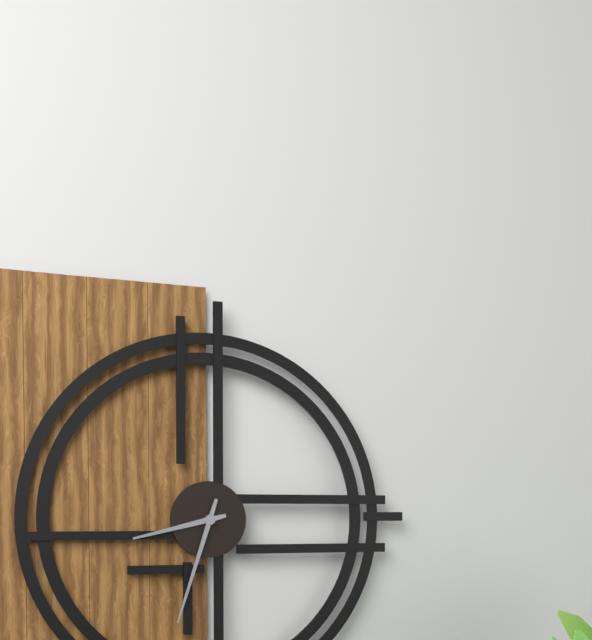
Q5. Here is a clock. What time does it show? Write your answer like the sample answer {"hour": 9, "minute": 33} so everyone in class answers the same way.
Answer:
{"hour": 8, "minute": 33}
